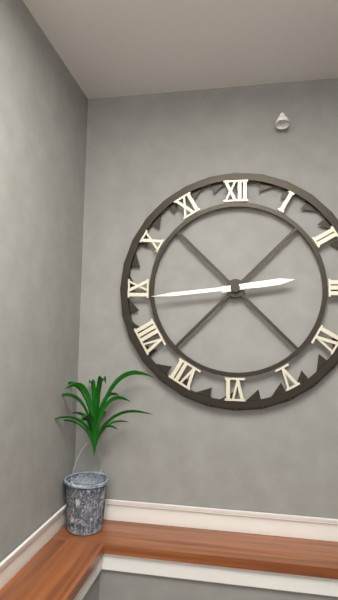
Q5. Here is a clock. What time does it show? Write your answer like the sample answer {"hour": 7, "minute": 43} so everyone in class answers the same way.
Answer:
{"hour": 2, "minute": 44}
